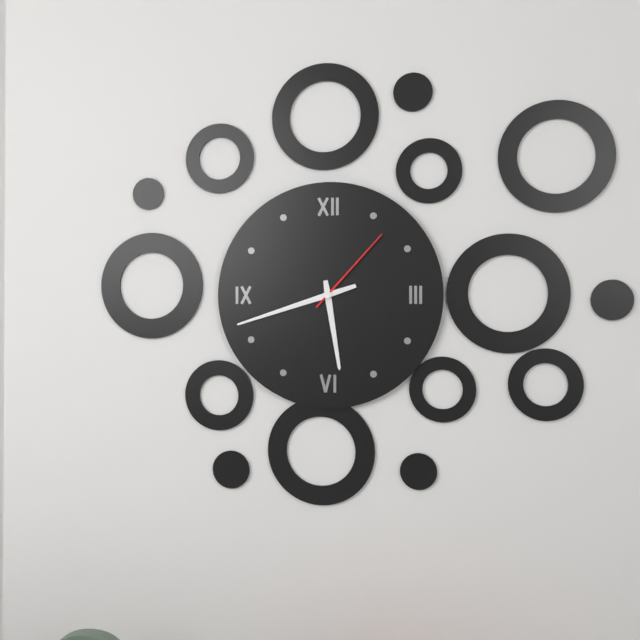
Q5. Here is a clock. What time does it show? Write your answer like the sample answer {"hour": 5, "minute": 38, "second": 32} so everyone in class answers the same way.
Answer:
{"hour": 5, "minute": 42, "second": 7}
